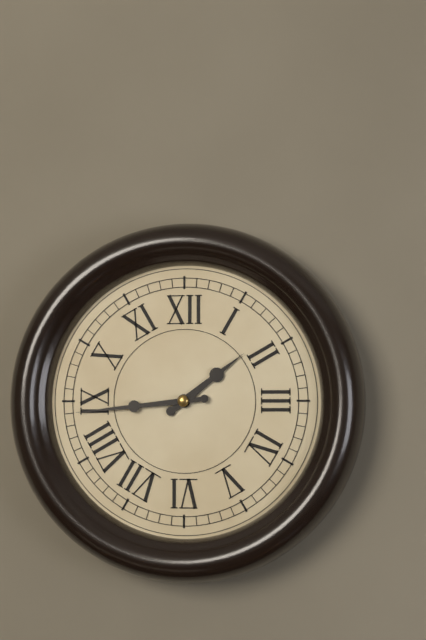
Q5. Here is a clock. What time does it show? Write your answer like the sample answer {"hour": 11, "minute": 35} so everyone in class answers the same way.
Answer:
{"hour": 1, "minute": 44}
